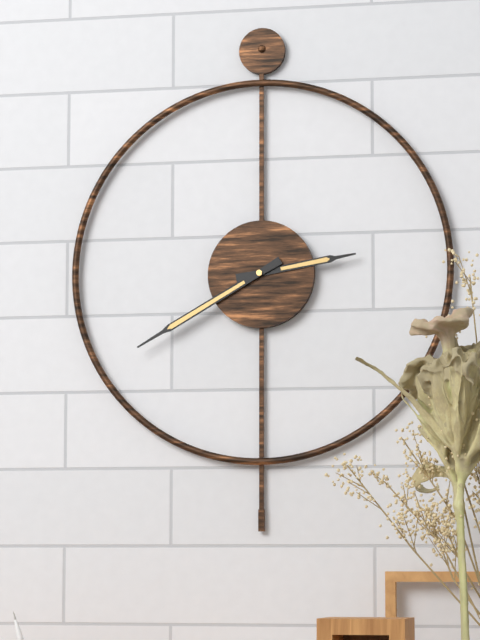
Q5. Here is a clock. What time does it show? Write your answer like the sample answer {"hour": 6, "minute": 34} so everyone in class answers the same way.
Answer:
{"hour": 2, "minute": 40}
